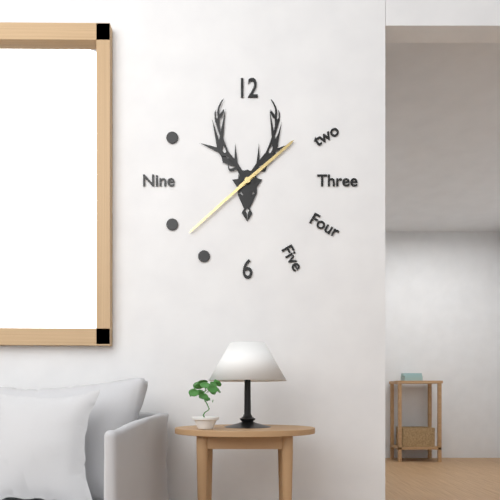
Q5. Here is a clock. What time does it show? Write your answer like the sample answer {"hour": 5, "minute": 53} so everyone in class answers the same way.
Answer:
{"hour": 1, "minute": 38}
